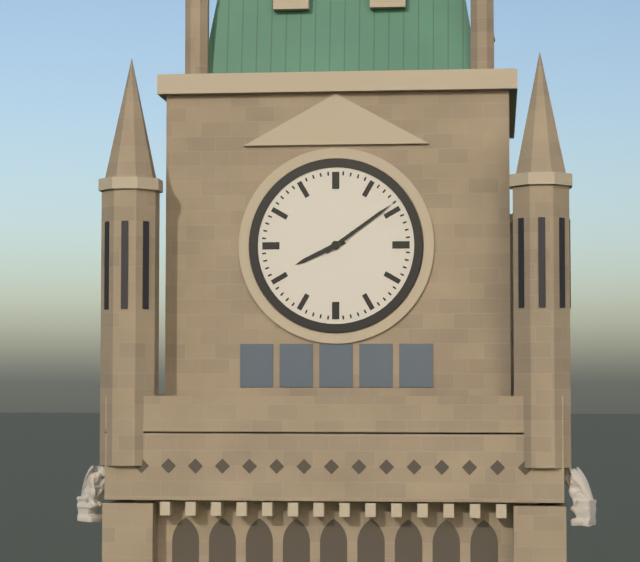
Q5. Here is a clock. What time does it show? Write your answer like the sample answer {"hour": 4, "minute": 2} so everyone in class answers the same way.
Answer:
{"hour": 8, "minute": 9}
